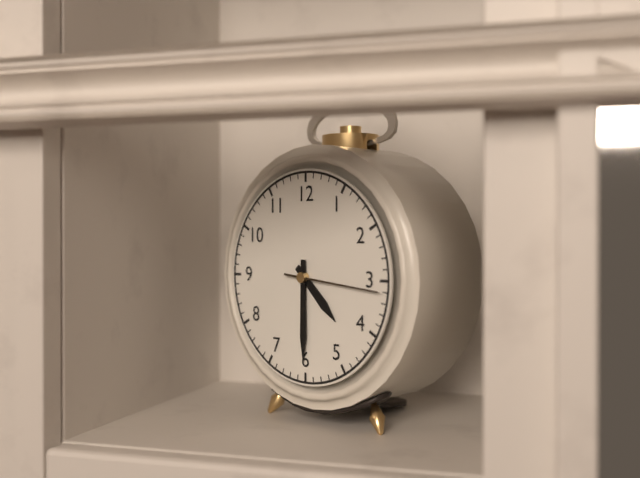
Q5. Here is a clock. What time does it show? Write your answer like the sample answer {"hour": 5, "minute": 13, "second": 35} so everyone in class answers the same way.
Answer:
{"hour": 4, "minute": 30, "second": 16}
